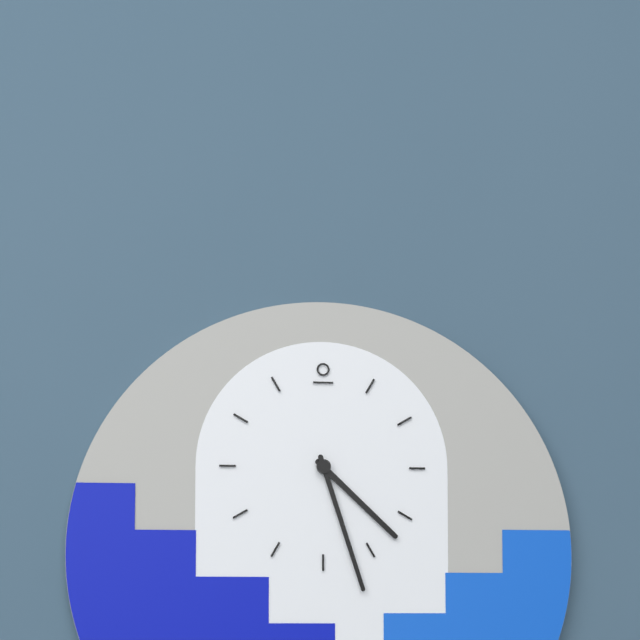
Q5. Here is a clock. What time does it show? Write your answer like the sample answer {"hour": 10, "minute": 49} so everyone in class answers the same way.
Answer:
{"hour": 4, "minute": 27}
